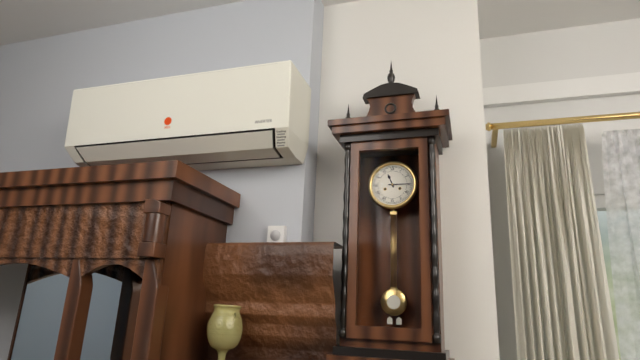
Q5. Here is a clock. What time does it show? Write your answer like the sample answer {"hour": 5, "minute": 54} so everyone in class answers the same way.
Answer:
{"hour": 11, "minute": 15}
